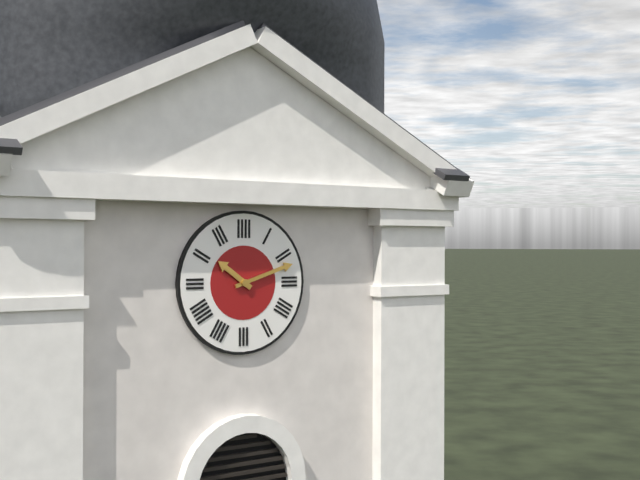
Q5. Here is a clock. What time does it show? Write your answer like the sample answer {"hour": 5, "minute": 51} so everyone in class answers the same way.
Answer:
{"hour": 10, "minute": 12}
